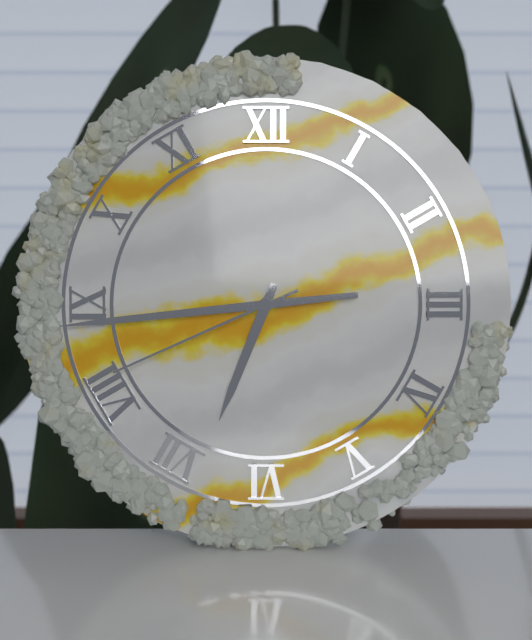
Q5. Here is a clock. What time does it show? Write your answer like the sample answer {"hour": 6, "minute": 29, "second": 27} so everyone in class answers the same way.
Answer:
{"hour": 6, "minute": 44, "second": 41}
